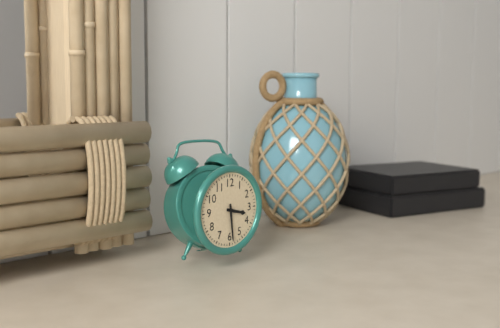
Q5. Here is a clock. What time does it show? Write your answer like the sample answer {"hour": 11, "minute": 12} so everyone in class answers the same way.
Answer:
{"hour": 3, "minute": 29}
